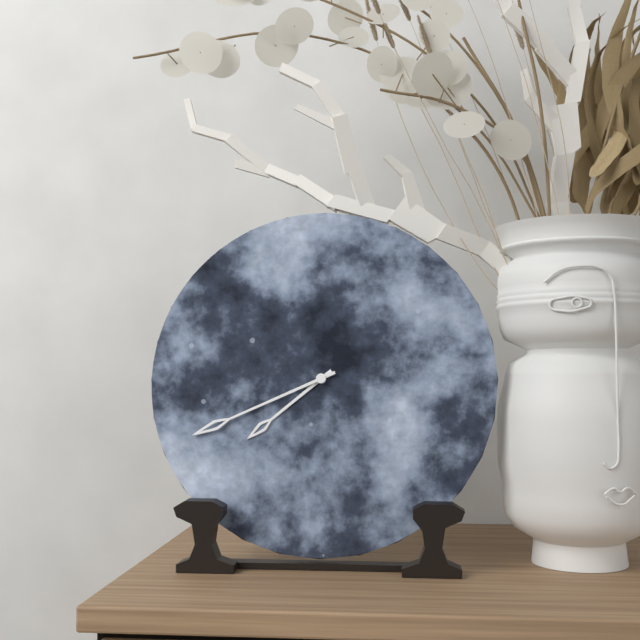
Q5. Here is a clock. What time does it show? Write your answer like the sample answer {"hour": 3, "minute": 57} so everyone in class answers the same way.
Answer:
{"hour": 7, "minute": 41}
